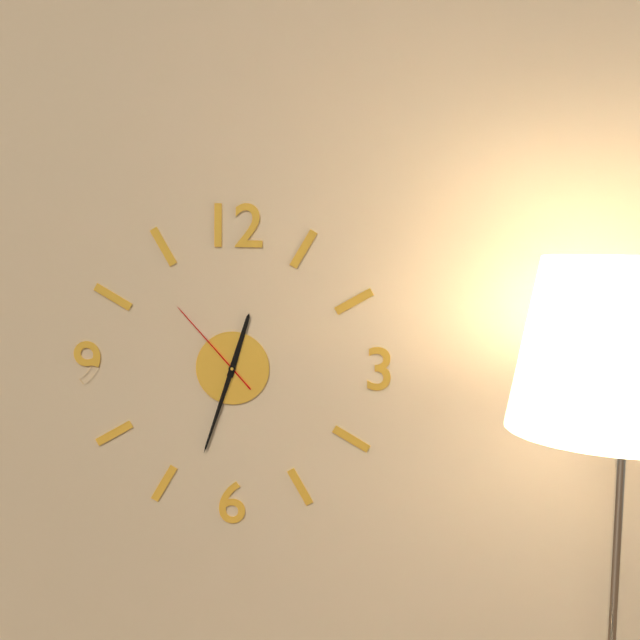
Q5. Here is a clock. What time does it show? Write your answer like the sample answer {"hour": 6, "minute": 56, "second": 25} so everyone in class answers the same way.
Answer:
{"hour": 12, "minute": 33, "second": 53}
